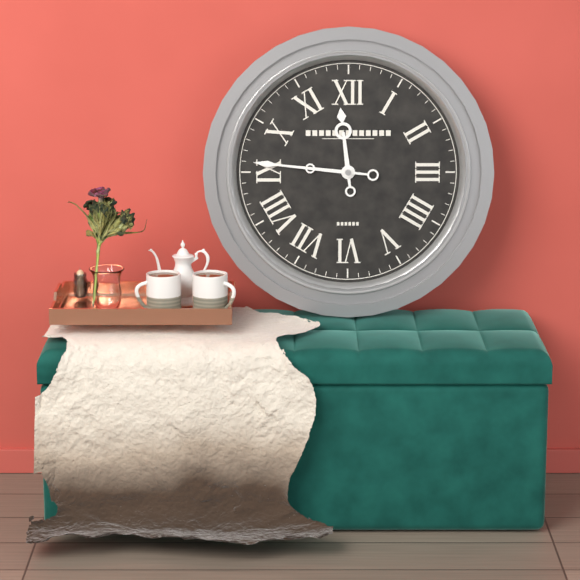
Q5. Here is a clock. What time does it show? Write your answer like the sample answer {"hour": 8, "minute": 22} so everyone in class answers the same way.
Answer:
{"hour": 11, "minute": 46}
